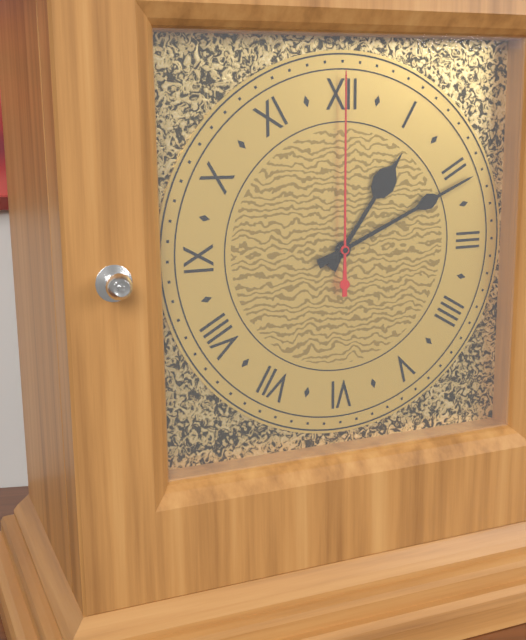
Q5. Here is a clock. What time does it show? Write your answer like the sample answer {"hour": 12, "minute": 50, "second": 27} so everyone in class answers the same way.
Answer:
{"hour": 1, "minute": 11, "second": 0}
